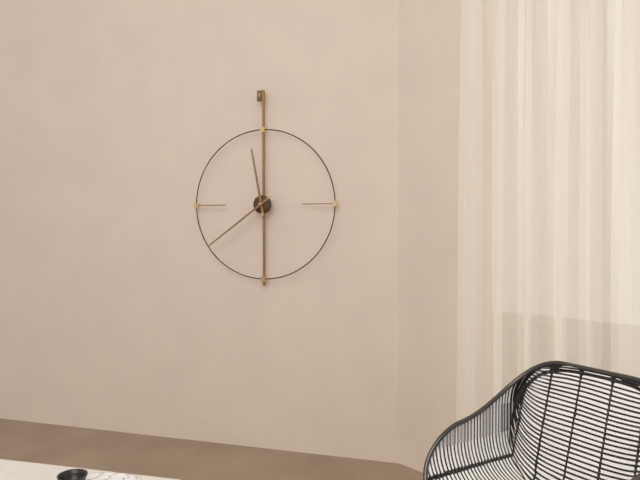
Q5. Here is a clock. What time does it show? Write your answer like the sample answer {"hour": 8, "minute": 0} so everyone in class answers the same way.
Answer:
{"hour": 11, "minute": 39}
